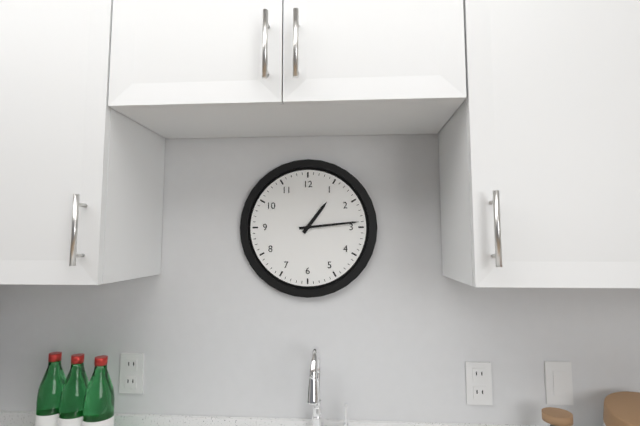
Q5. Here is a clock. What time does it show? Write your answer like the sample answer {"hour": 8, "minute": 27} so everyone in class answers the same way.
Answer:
{"hour": 1, "minute": 14}
